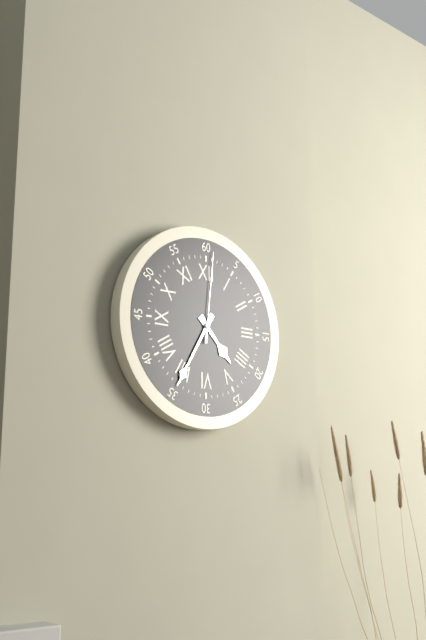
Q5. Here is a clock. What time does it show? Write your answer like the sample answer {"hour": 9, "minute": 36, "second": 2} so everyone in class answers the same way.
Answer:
{"hour": 4, "minute": 35, "second": 1}
